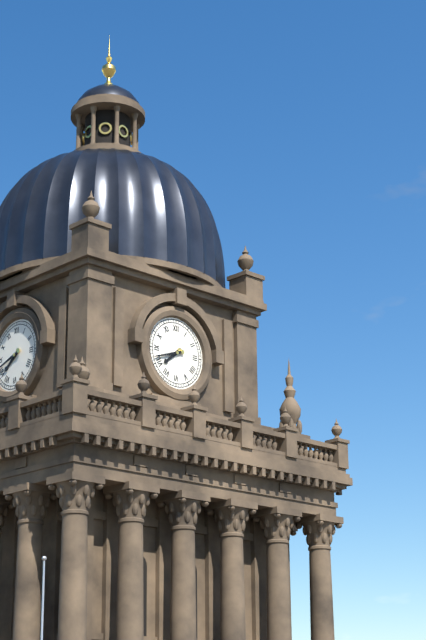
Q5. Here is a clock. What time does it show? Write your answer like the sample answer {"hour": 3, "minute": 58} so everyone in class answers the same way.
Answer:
{"hour": 7, "minute": 42}
